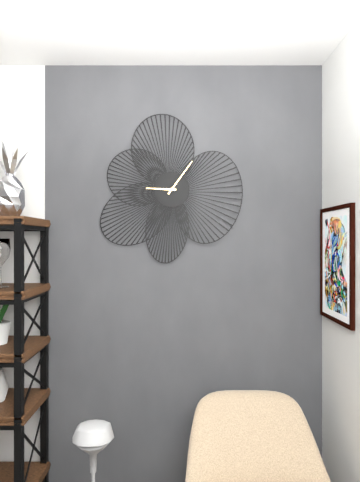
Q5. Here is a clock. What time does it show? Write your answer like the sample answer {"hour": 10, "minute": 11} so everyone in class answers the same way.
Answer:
{"hour": 9, "minute": 6}
